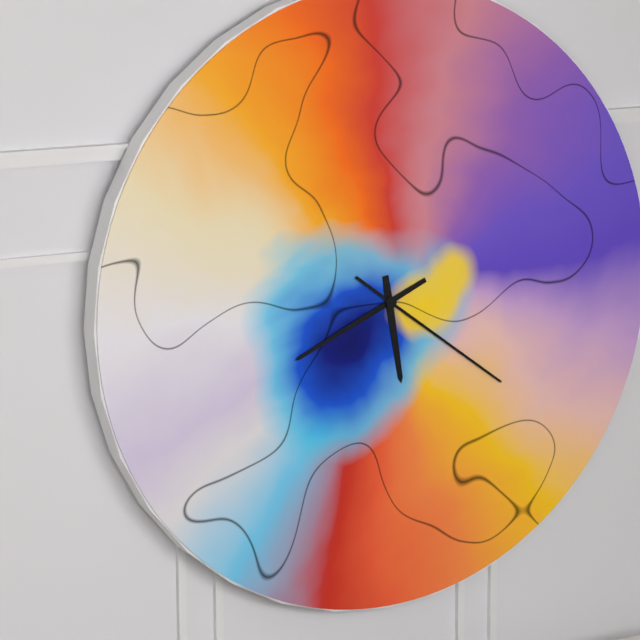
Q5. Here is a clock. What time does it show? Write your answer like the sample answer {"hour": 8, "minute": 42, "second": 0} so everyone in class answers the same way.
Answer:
{"hour": 5, "minute": 41, "second": 21}
